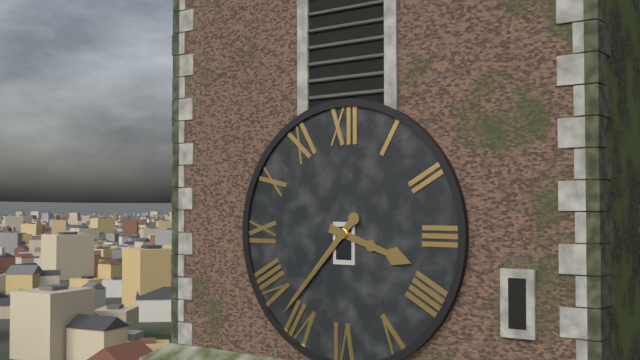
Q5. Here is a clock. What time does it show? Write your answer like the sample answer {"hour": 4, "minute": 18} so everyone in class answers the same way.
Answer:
{"hour": 3, "minute": 37}
